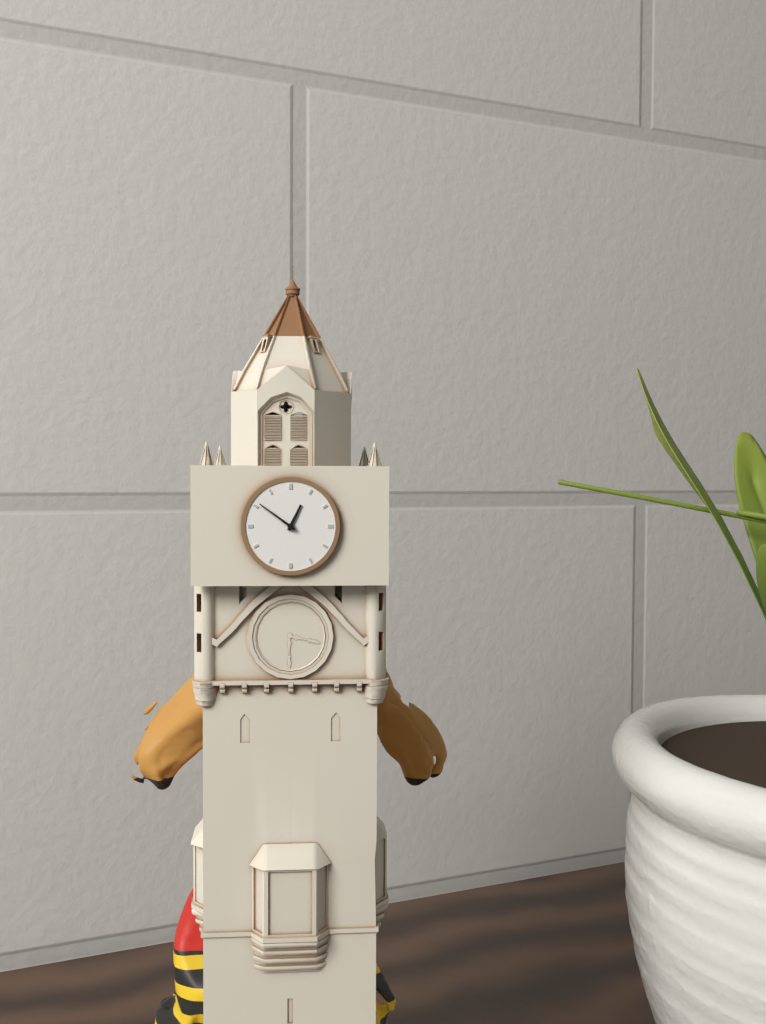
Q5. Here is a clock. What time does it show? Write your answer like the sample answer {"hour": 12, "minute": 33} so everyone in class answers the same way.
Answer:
{"hour": 12, "minute": 51}
